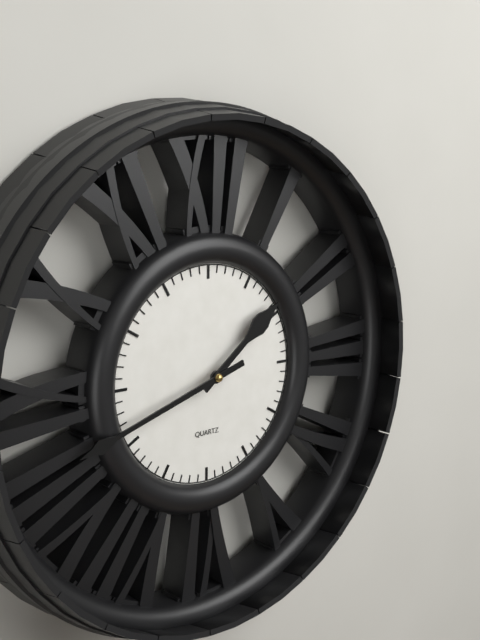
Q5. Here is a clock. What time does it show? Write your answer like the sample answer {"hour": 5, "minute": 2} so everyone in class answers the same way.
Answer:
{"hour": 1, "minute": 42}
